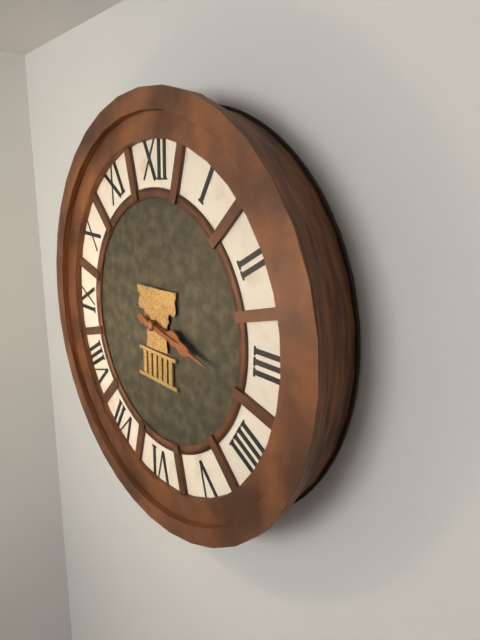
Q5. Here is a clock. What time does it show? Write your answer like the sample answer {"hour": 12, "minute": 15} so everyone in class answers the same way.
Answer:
{"hour": 3, "minute": 17}
